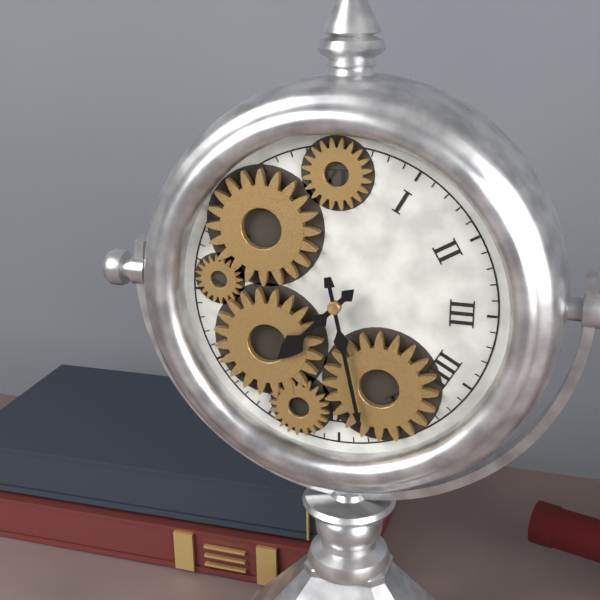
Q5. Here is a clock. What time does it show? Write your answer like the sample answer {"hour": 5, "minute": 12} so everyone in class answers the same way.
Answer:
{"hour": 7, "minute": 28}
